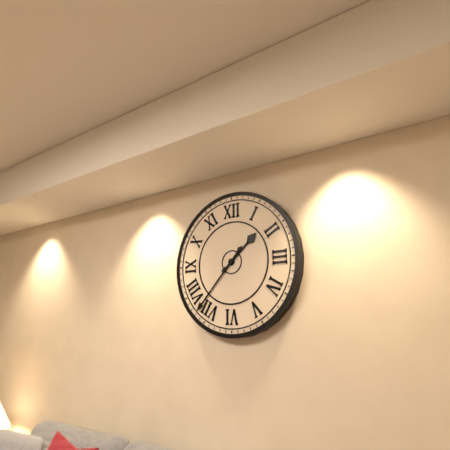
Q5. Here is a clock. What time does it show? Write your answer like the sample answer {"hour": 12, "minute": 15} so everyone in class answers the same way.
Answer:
{"hour": 1, "minute": 37}
